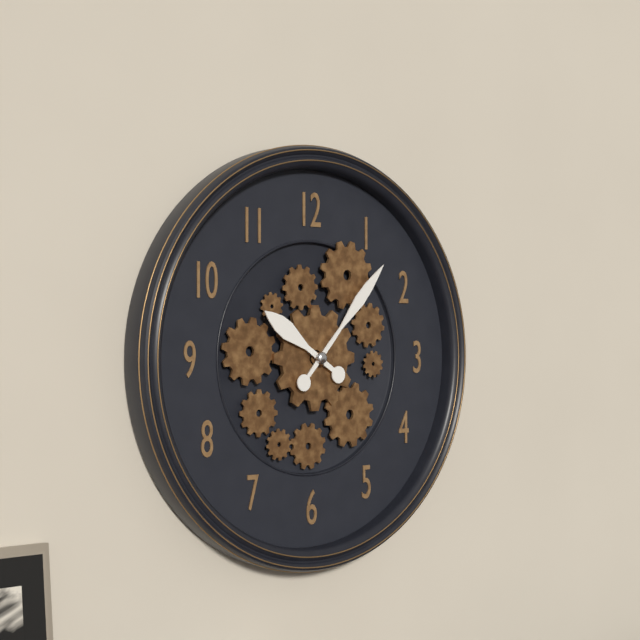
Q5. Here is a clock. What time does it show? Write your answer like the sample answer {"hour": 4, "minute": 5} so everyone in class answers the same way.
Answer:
{"hour": 10, "minute": 7}
